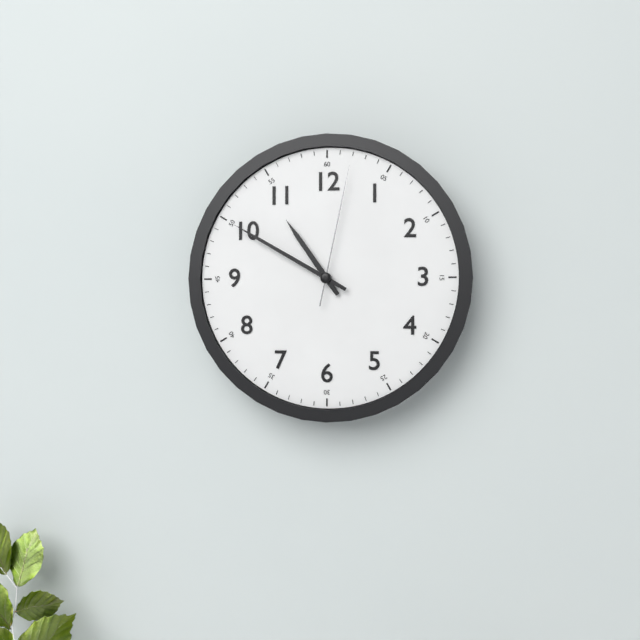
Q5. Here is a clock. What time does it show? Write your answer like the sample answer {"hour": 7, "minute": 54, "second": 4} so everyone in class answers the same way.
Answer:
{"hour": 10, "minute": 50, "second": 2}
